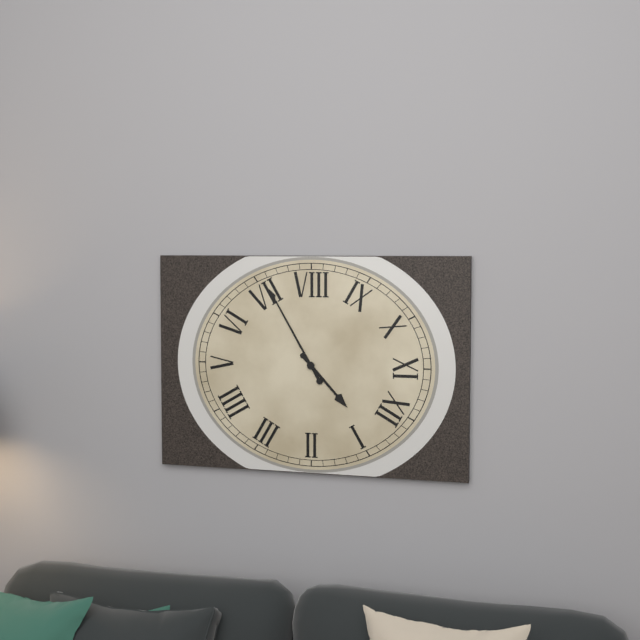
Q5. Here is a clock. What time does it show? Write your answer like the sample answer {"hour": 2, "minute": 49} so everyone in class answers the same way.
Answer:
{"hour": 12, "minute": 35}
